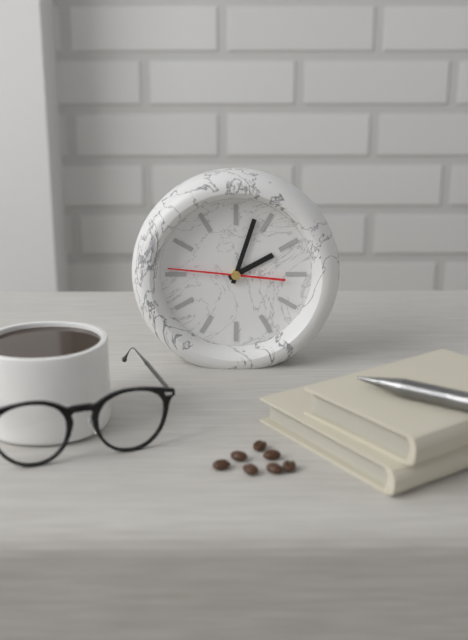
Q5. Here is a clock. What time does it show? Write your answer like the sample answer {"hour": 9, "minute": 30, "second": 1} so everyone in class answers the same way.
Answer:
{"hour": 2, "minute": 3, "second": 46}
